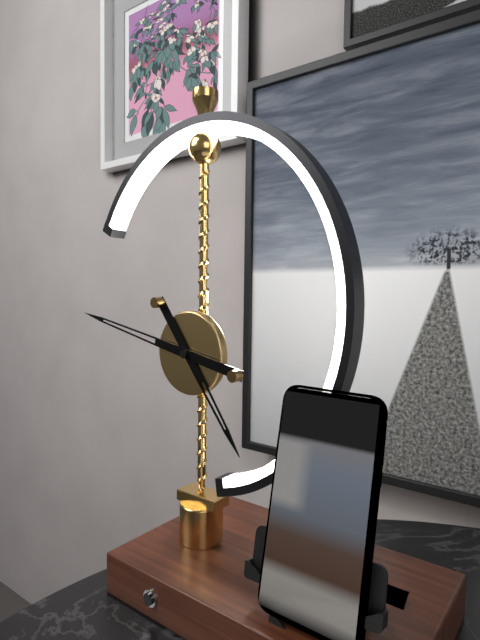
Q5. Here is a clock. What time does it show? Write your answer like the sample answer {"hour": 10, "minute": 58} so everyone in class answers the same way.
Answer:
{"hour": 4, "minute": 47}
